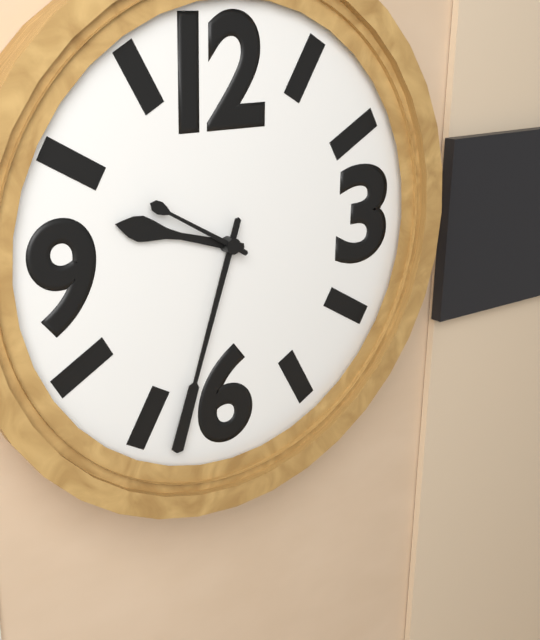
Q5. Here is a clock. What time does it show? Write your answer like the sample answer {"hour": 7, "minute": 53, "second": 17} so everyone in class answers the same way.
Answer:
{"hour": 9, "minute": 33, "second": 50}
